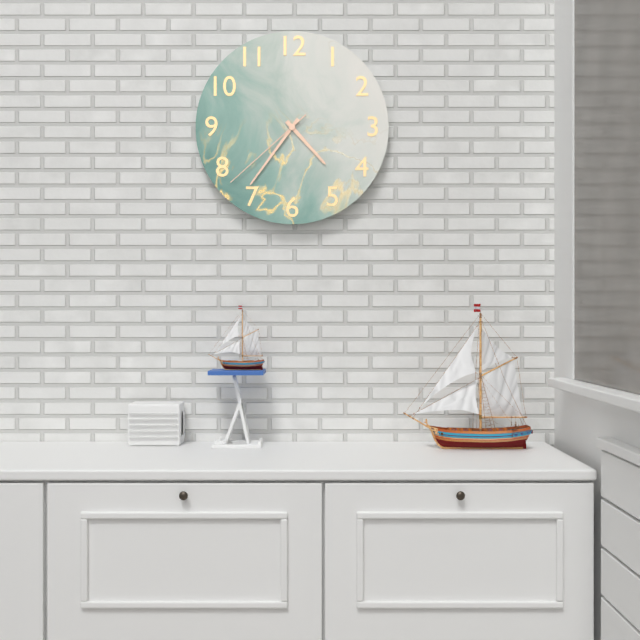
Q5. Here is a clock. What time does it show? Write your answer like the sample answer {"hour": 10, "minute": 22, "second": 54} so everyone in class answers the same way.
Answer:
{"hour": 4, "minute": 36, "second": 38}
